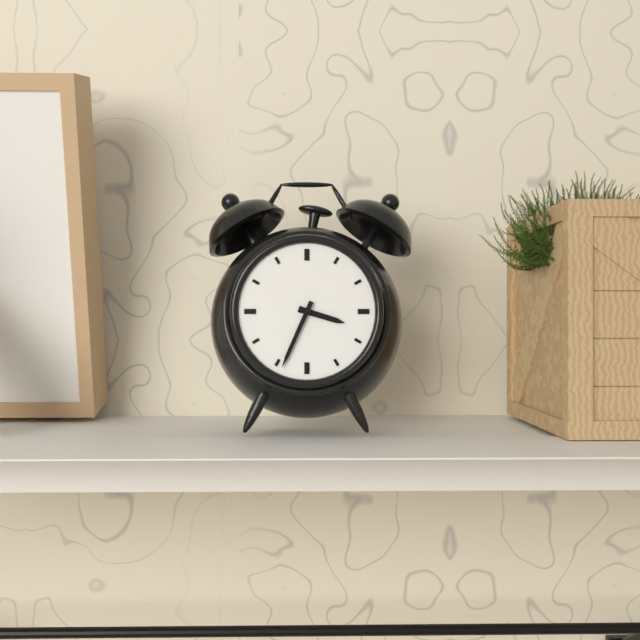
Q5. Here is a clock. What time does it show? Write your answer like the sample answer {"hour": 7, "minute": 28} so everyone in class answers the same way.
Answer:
{"hour": 3, "minute": 34}
